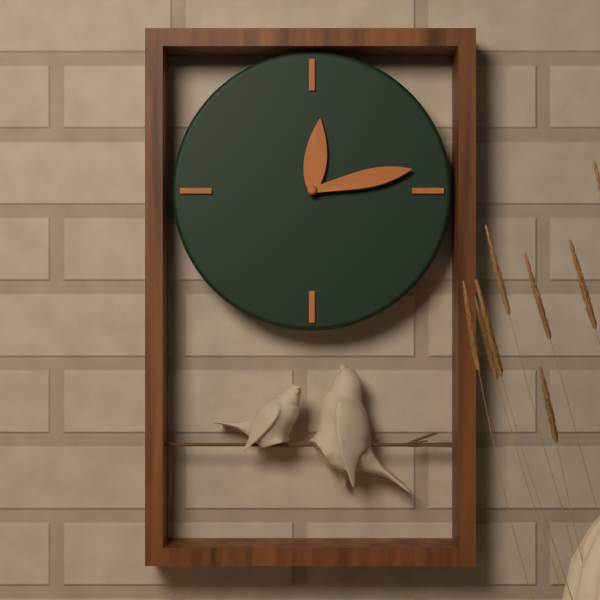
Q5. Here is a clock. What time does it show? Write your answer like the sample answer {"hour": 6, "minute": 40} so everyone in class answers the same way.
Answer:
{"hour": 12, "minute": 13}
